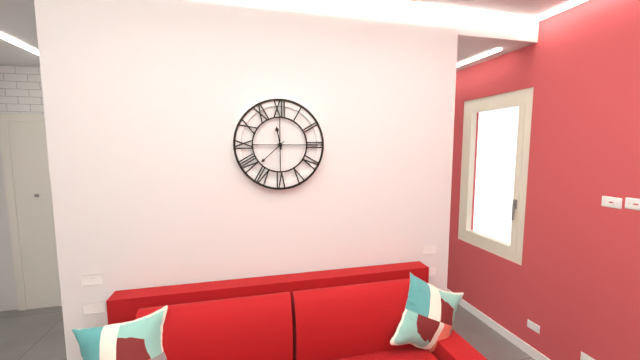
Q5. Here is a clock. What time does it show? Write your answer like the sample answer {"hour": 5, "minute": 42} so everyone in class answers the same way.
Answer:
{"hour": 11, "minute": 38}
